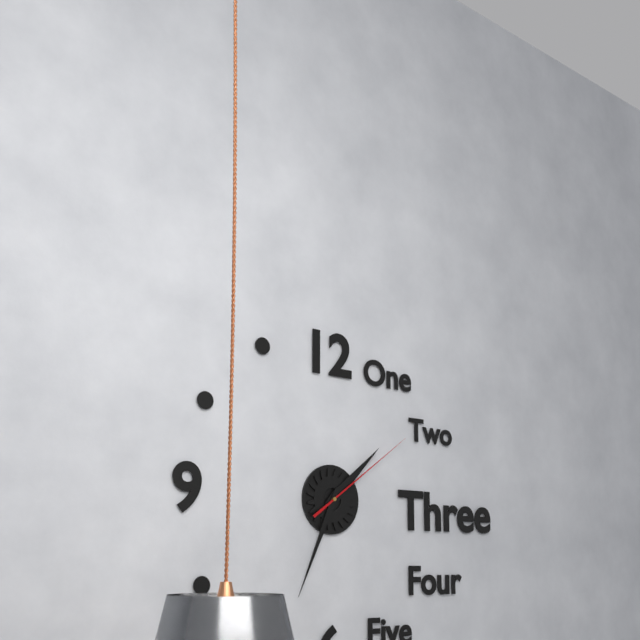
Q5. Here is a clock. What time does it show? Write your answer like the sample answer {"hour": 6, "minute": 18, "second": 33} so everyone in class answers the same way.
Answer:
{"hour": 1, "minute": 34, "second": 9}
